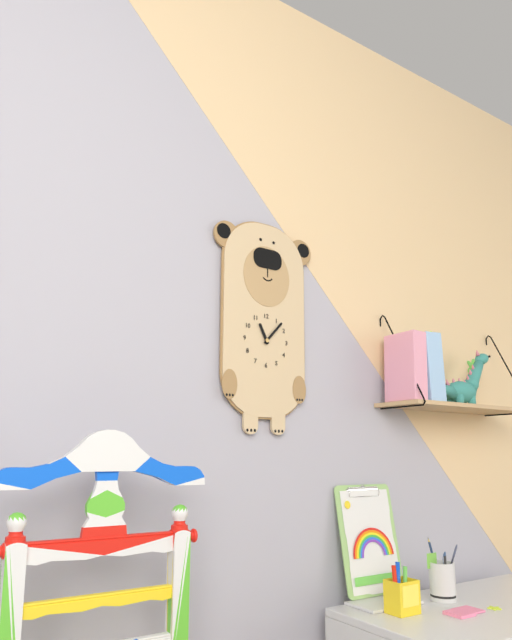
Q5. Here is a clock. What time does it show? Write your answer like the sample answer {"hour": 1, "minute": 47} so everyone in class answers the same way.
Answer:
{"hour": 11, "minute": 7}
